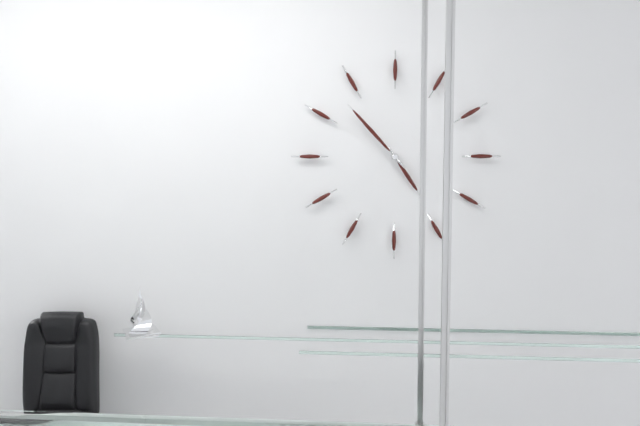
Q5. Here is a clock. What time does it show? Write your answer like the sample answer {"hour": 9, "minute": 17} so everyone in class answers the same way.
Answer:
{"hour": 4, "minute": 53}
